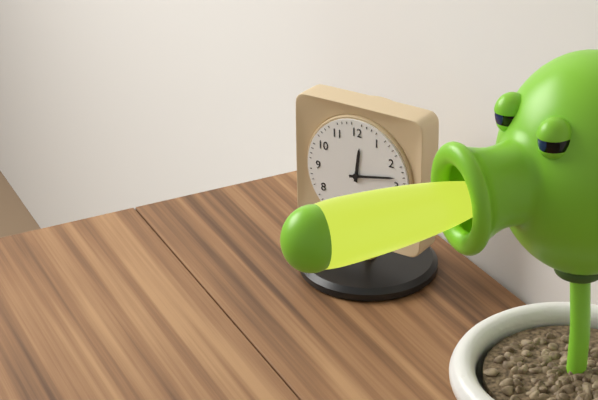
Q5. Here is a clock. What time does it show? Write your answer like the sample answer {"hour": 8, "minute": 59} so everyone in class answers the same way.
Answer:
{"hour": 12, "minute": 13}
